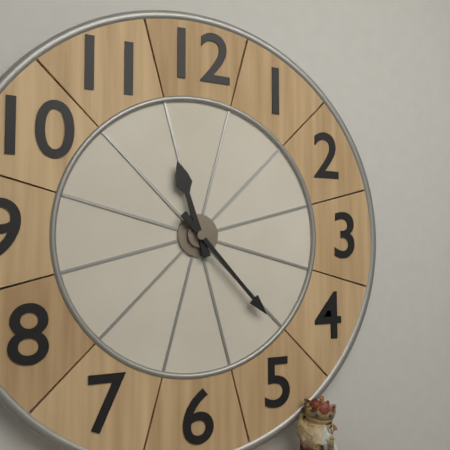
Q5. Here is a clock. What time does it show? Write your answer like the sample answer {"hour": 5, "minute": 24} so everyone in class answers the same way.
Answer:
{"hour": 11, "minute": 23}
